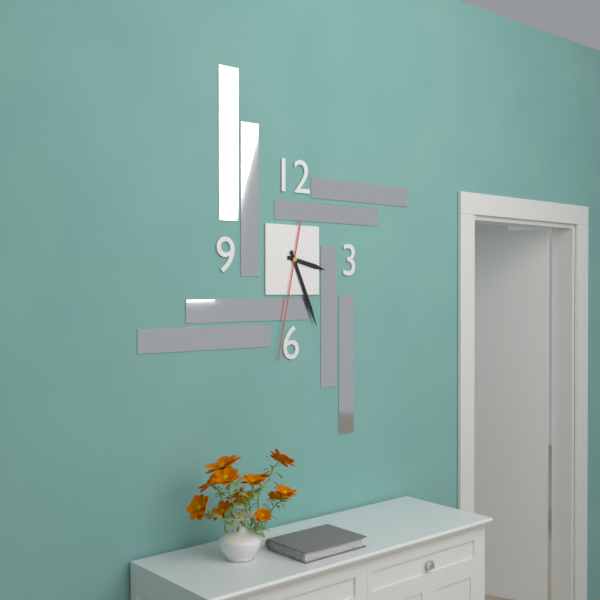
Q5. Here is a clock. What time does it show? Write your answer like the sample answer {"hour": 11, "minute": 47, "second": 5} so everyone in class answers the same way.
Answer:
{"hour": 3, "minute": 26, "second": 32}
